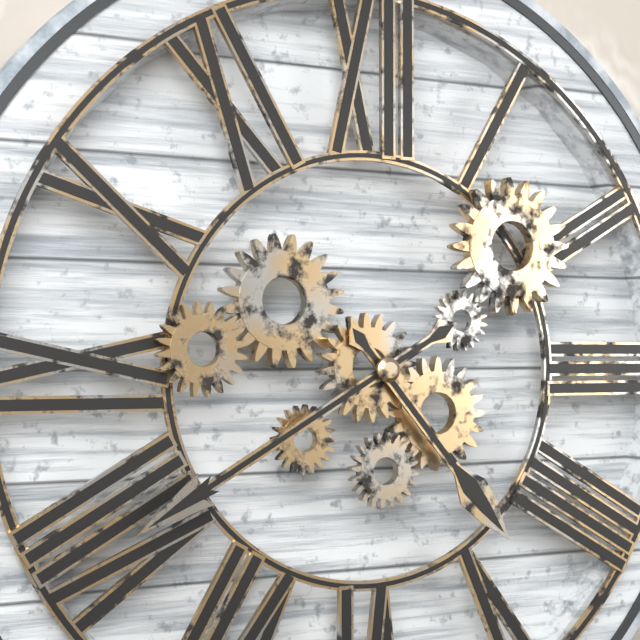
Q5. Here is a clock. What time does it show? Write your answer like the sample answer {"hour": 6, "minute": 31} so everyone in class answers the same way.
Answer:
{"hour": 4, "minute": 40}
